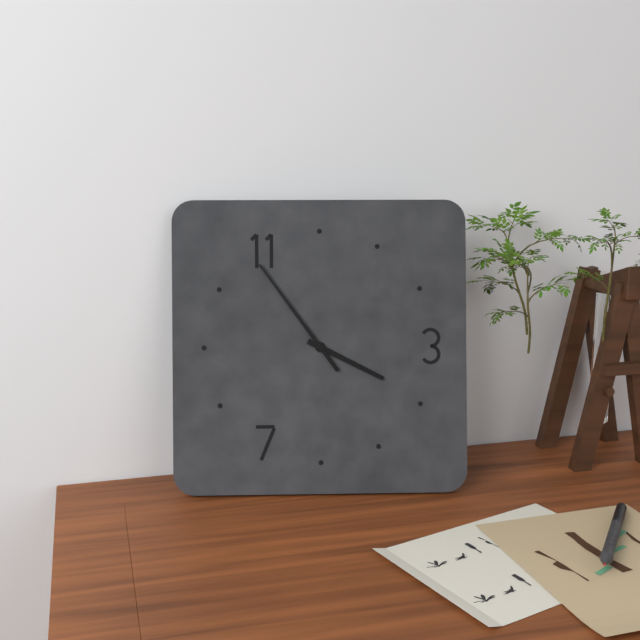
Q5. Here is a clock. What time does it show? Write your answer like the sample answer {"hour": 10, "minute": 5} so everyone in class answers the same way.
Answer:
{"hour": 3, "minute": 54}
